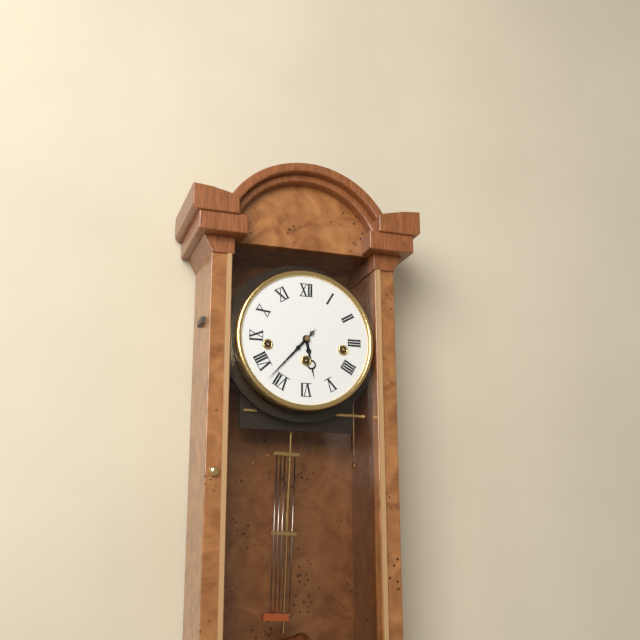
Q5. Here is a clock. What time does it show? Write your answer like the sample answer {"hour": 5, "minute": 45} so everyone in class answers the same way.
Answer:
{"hour": 5, "minute": 37}
